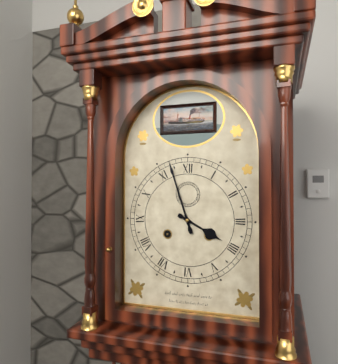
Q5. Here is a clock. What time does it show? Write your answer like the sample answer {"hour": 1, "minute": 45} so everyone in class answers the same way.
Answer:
{"hour": 3, "minute": 57}
